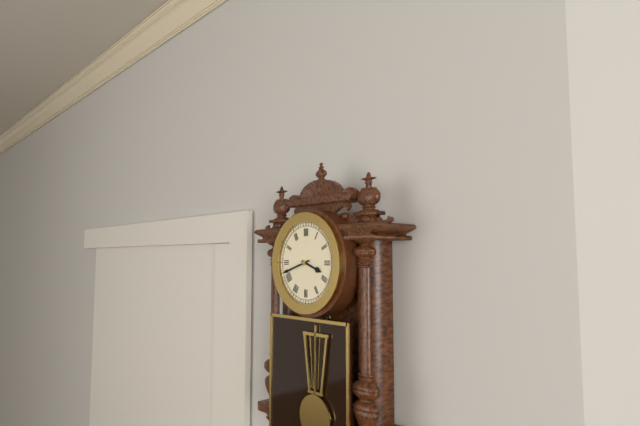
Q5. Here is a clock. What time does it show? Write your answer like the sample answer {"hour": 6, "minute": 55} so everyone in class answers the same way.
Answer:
{"hour": 3, "minute": 42}
